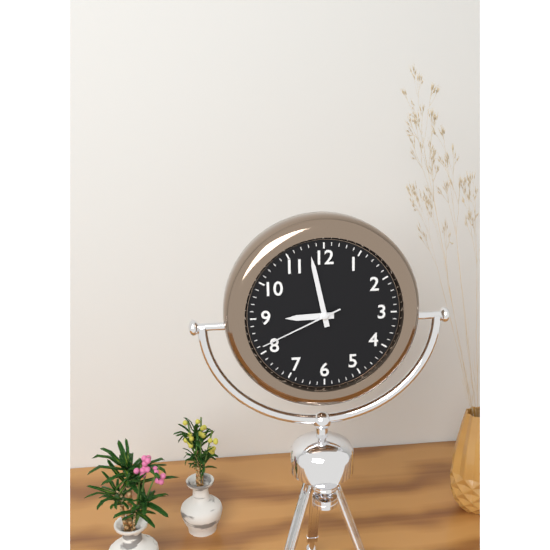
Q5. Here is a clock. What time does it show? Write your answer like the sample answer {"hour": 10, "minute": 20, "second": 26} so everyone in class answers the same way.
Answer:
{"hour": 8, "minute": 58, "second": 41}
